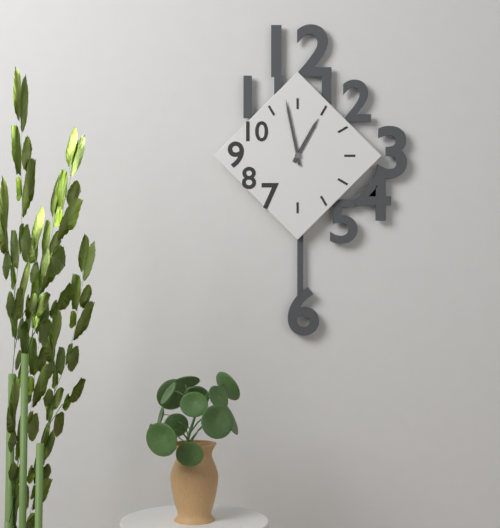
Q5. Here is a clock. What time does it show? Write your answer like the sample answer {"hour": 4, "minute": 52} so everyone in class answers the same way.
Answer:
{"hour": 12, "minute": 58}
